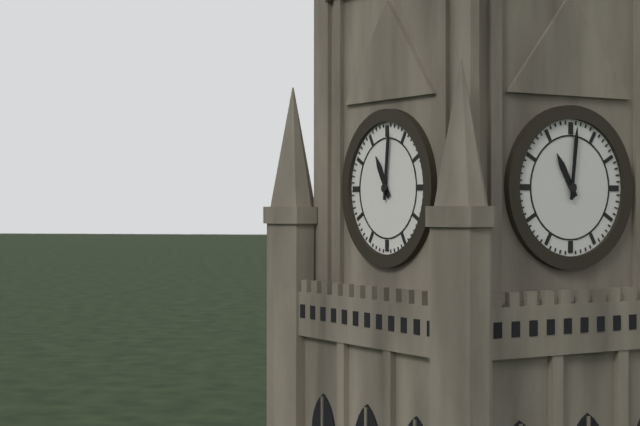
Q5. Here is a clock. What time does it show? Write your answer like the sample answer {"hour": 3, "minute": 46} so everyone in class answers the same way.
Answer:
{"hour": 11, "minute": 1}
